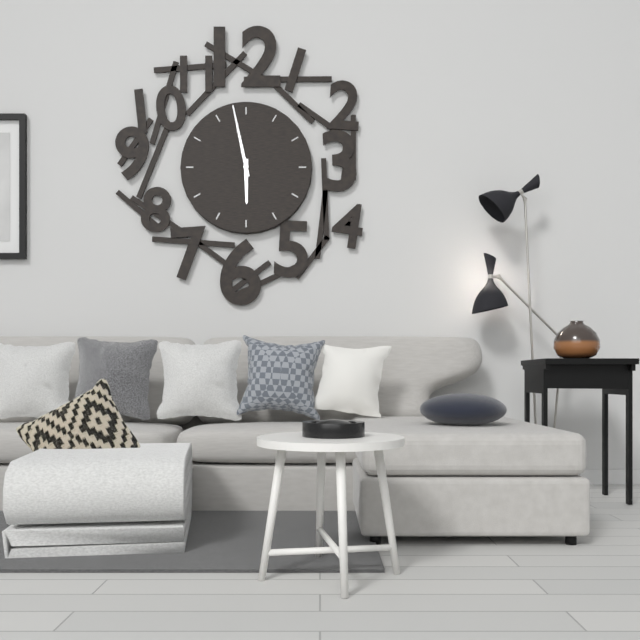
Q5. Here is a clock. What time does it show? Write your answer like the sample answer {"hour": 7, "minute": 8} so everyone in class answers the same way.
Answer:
{"hour": 5, "minute": 58}
